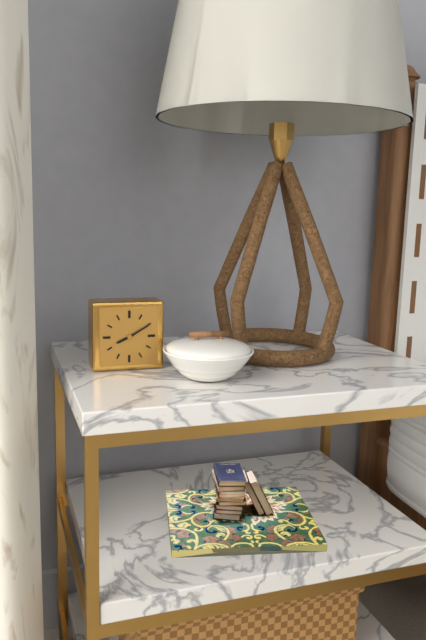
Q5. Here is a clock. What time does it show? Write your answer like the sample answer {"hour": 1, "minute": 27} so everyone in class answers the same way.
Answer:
{"hour": 8, "minute": 10}
